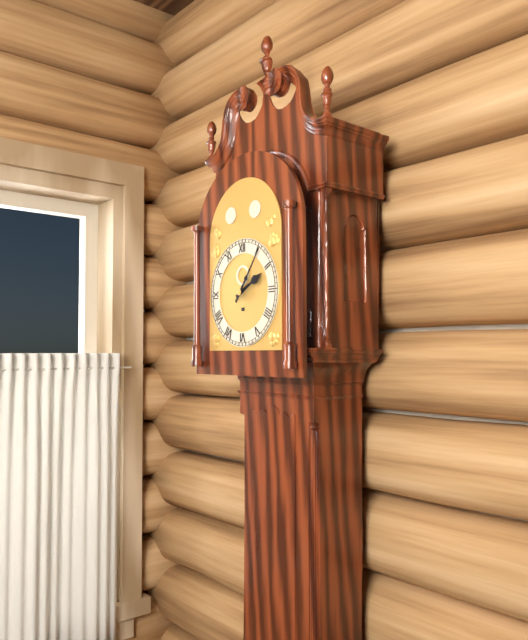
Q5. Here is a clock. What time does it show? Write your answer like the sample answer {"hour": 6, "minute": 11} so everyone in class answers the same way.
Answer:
{"hour": 2, "minute": 6}
